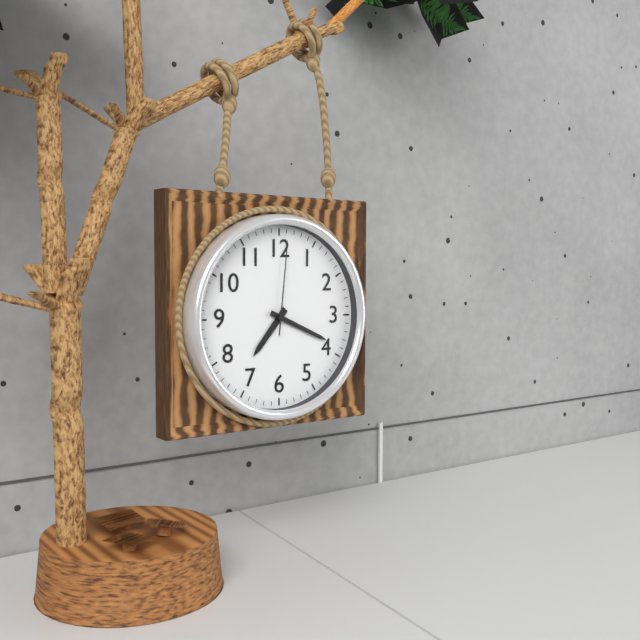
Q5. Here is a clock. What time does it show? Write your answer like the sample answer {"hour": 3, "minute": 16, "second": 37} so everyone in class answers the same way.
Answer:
{"hour": 7, "minute": 19, "second": 1}
